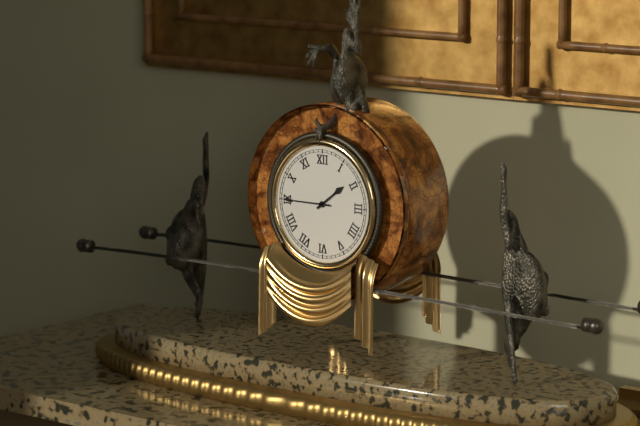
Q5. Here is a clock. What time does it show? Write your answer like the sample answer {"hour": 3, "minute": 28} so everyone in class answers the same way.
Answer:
{"hour": 1, "minute": 45}
